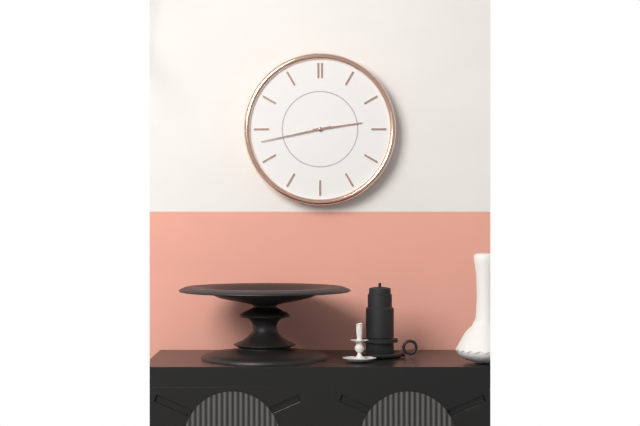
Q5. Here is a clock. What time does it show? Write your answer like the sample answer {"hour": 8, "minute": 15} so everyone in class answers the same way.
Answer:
{"hour": 2, "minute": 43}
